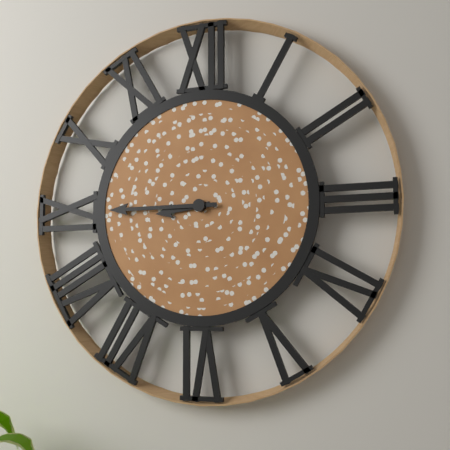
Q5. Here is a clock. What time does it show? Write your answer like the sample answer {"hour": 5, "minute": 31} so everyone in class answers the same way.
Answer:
{"hour": 8, "minute": 45}
